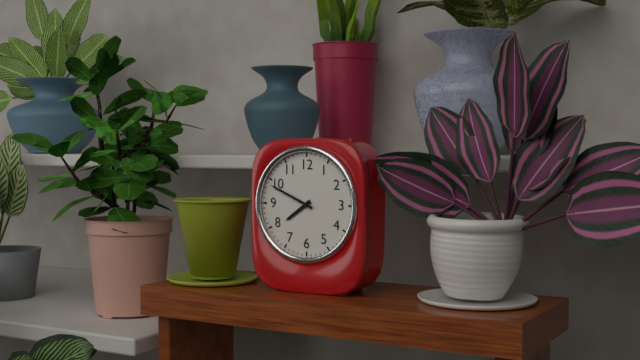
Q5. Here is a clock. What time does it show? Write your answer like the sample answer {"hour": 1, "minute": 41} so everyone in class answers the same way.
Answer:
{"hour": 7, "minute": 49}
